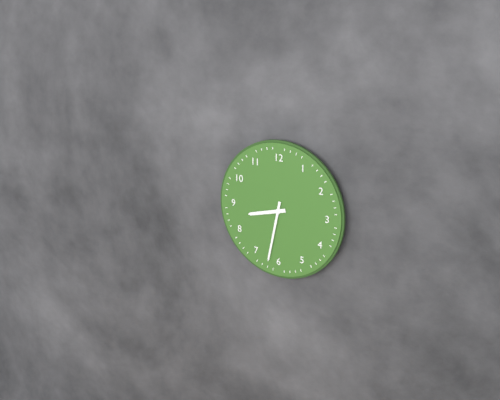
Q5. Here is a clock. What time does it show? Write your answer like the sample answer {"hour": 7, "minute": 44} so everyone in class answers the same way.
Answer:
{"hour": 8, "minute": 32}
